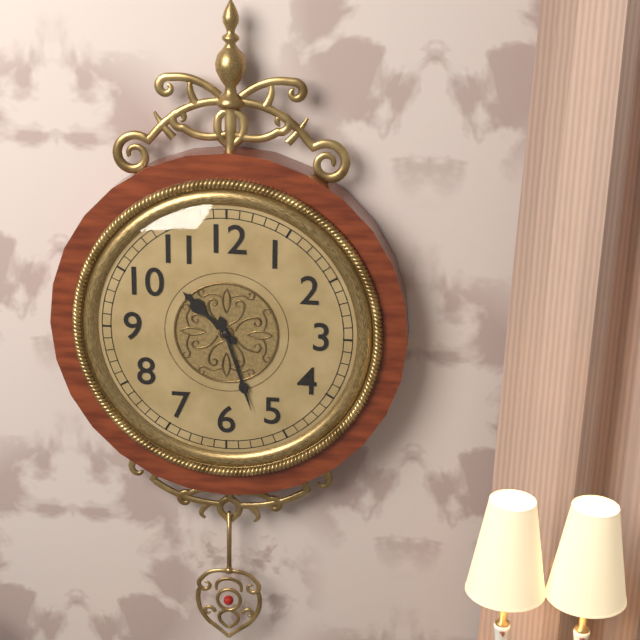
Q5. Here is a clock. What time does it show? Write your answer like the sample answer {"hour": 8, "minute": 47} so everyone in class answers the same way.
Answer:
{"hour": 10, "minute": 27}
